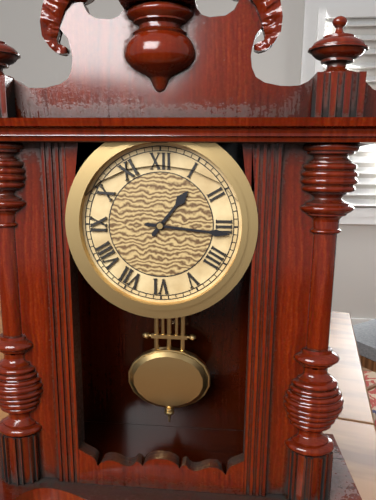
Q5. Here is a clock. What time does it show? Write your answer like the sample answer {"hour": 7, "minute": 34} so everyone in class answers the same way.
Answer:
{"hour": 1, "minute": 16}
